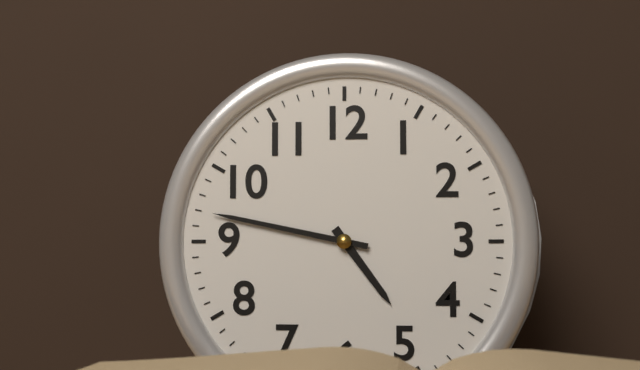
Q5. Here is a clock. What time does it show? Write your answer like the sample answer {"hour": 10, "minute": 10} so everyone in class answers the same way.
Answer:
{"hour": 4, "minute": 47}
